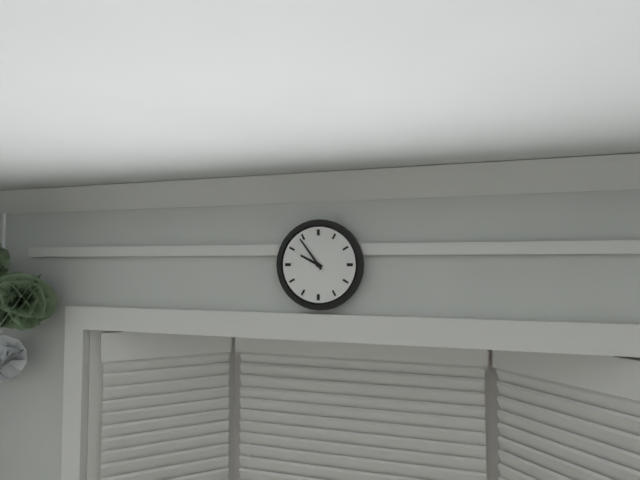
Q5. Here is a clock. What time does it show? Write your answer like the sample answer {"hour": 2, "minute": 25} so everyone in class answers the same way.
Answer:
{"hour": 9, "minute": 54}
